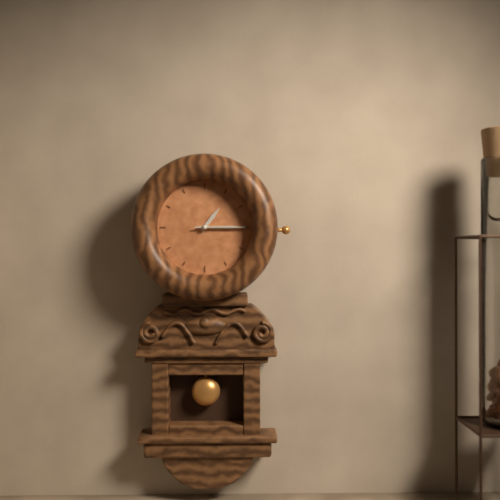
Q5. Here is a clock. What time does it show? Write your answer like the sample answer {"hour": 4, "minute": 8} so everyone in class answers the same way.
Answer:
{"hour": 1, "minute": 15}
